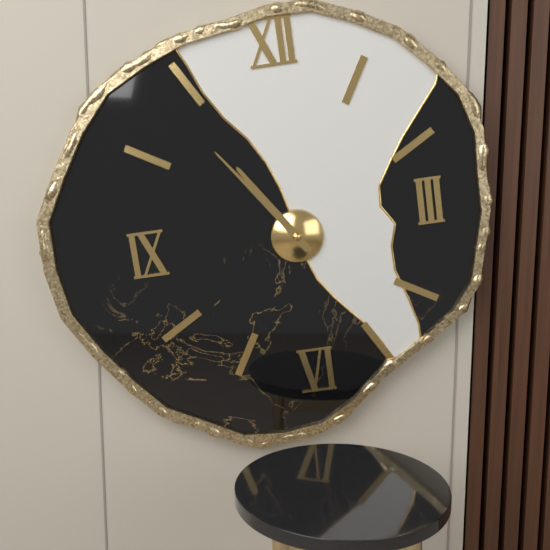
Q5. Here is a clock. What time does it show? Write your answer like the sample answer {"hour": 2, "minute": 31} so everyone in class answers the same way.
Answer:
{"hour": 10, "minute": 54}
